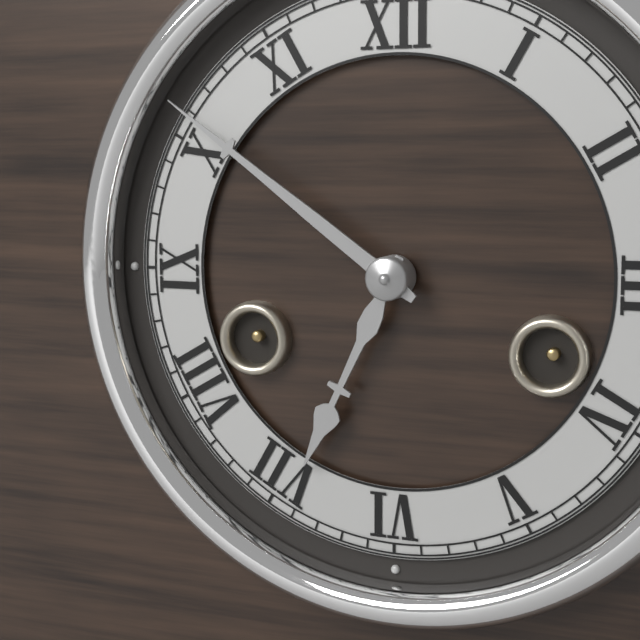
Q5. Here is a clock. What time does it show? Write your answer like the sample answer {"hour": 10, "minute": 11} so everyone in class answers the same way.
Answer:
{"hour": 6, "minute": 51}
